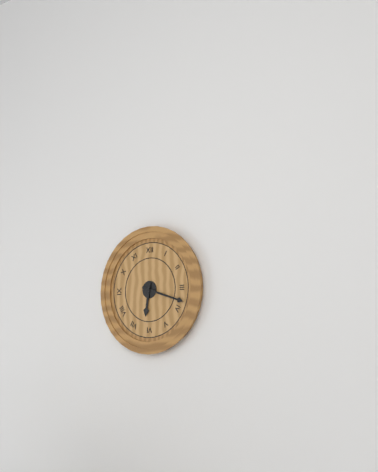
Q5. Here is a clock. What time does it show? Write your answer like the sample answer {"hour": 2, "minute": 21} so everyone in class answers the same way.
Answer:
{"hour": 6, "minute": 18}
